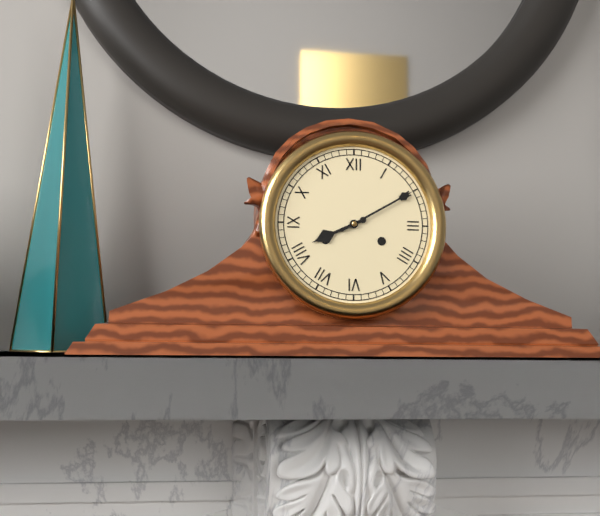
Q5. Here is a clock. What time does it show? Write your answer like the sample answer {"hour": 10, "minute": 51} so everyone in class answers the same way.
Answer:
{"hour": 8, "minute": 10}
